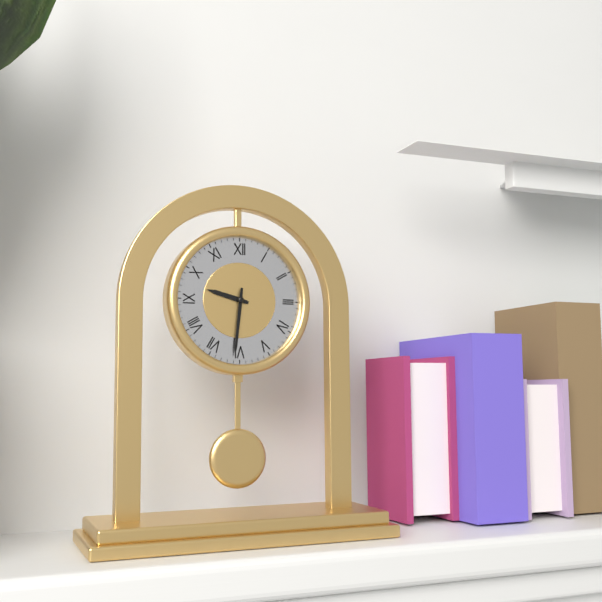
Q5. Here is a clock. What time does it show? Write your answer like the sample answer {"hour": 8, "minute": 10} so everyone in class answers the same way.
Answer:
{"hour": 9, "minute": 31}
